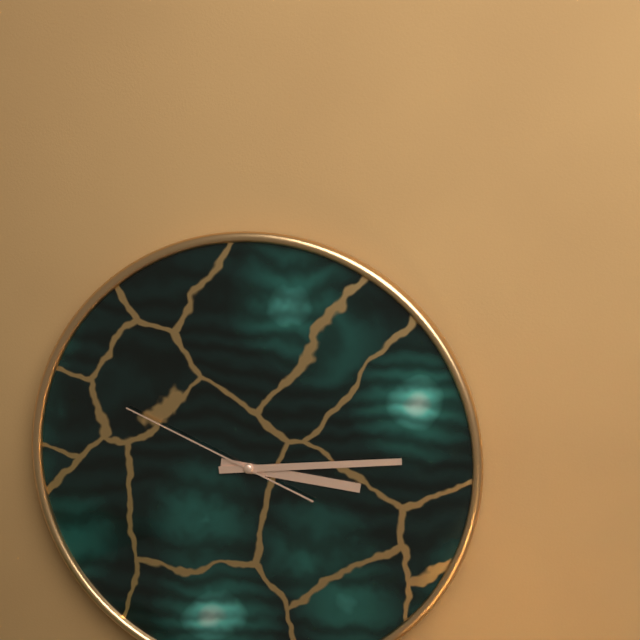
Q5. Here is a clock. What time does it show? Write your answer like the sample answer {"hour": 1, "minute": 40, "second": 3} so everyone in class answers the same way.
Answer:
{"hour": 3, "minute": 14, "second": 49}
